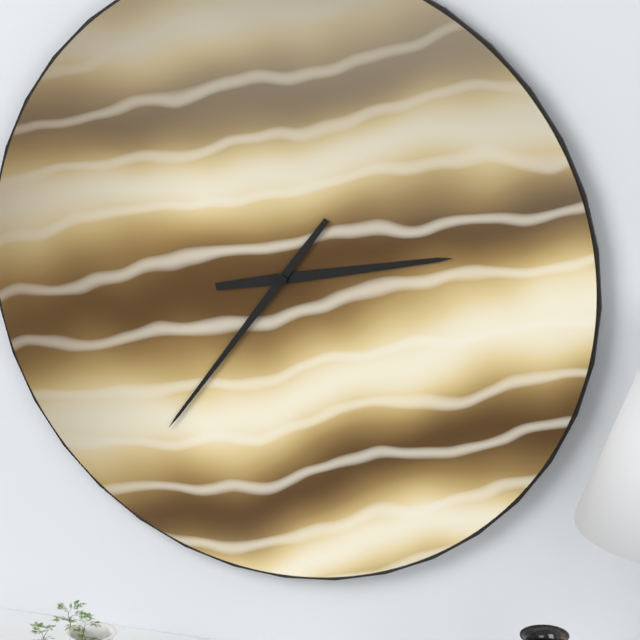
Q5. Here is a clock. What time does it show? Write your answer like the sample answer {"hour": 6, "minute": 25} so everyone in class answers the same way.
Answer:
{"hour": 2, "minute": 36}
